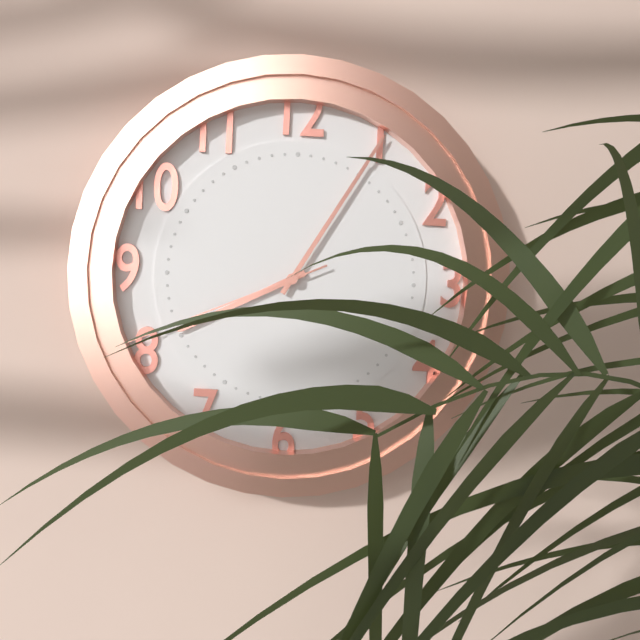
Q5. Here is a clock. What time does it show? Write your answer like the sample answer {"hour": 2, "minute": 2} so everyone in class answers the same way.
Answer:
{"hour": 8, "minute": 5}
